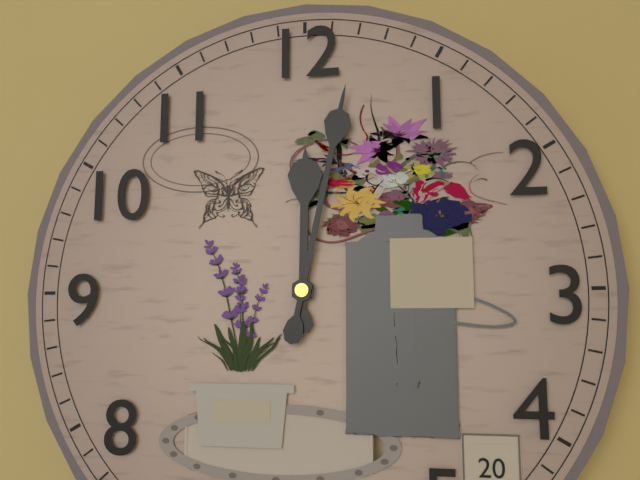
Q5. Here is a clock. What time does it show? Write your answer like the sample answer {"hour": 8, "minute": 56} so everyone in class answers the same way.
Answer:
{"hour": 12, "minute": 2}
